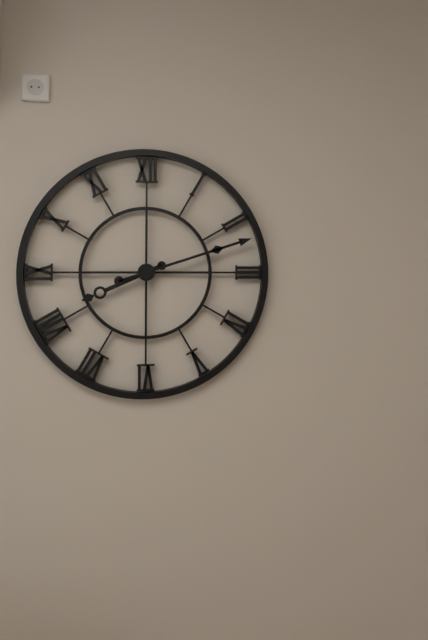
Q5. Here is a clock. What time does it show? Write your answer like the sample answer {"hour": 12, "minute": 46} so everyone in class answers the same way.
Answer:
{"hour": 8, "minute": 12}
